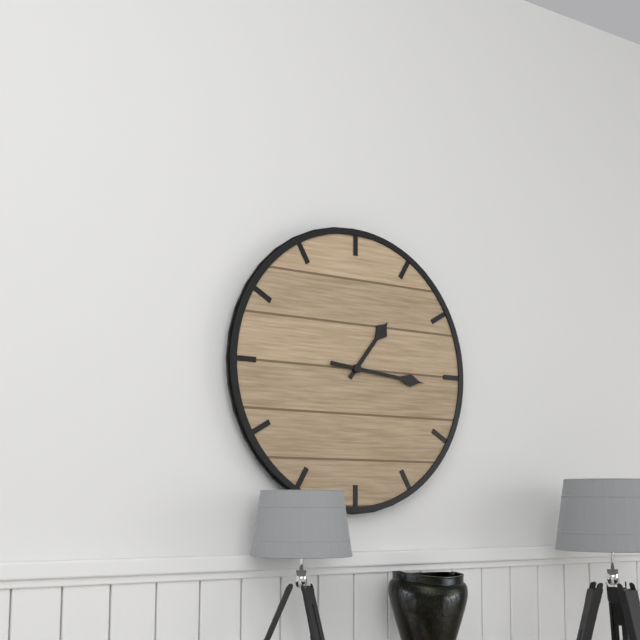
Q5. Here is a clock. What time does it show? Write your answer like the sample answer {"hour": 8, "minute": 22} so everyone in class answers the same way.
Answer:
{"hour": 1, "minute": 16}
